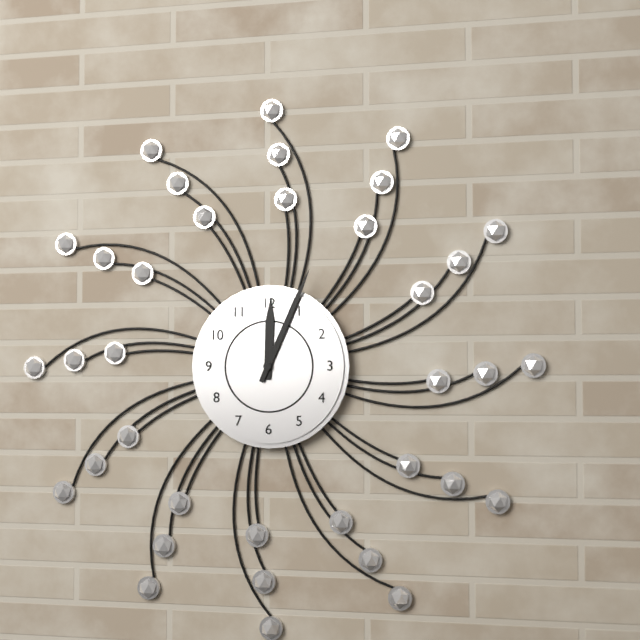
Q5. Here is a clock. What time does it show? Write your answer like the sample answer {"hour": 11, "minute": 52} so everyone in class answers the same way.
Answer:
{"hour": 12, "minute": 4}
